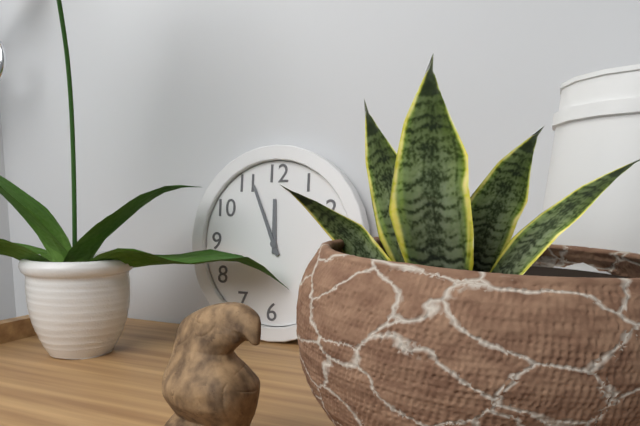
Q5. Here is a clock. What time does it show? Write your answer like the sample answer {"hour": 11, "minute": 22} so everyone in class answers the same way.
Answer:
{"hour": 11, "minute": 56}
